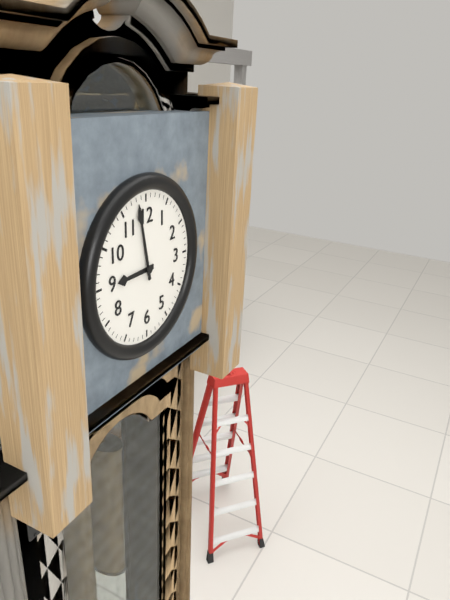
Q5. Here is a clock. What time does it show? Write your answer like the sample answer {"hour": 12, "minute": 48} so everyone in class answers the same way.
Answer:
{"hour": 8, "minute": 58}
